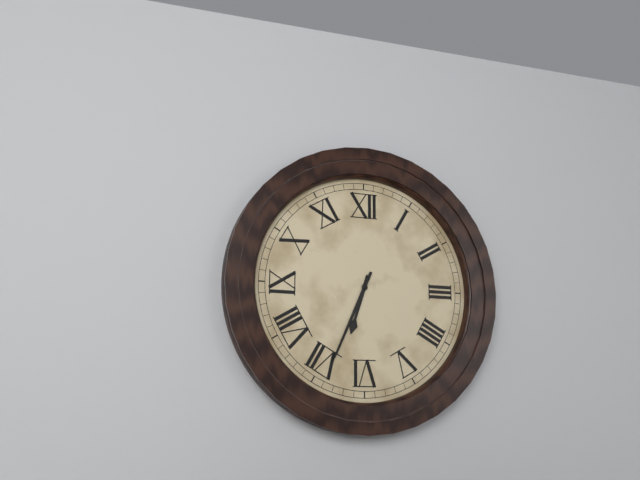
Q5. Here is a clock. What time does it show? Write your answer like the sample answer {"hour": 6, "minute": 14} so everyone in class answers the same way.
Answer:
{"hour": 6, "minute": 34}
